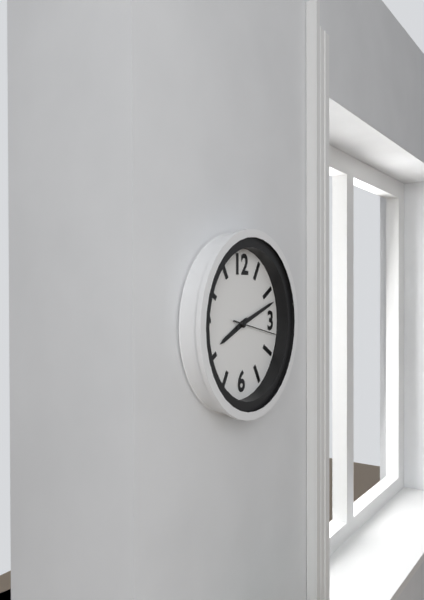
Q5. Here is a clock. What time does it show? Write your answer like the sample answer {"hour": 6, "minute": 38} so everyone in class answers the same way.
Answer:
{"hour": 8, "minute": 12}
